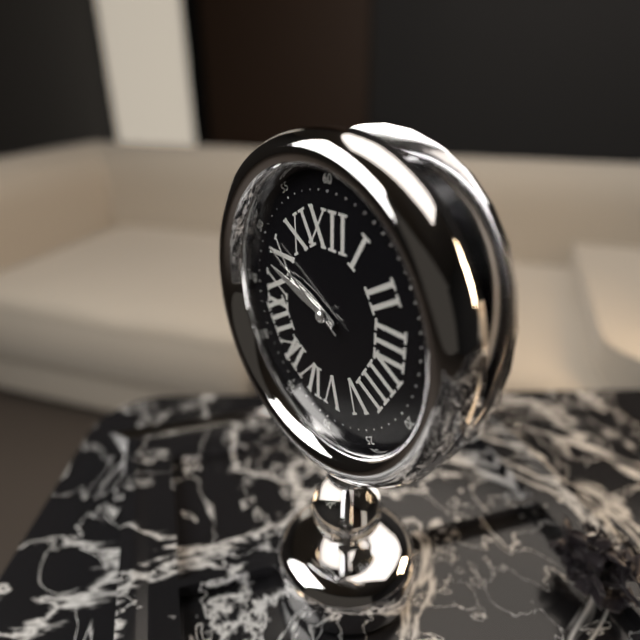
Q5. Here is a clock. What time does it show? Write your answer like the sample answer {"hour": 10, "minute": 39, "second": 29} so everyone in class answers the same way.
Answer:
{"hour": 9, "minute": 48, "second": 50}
